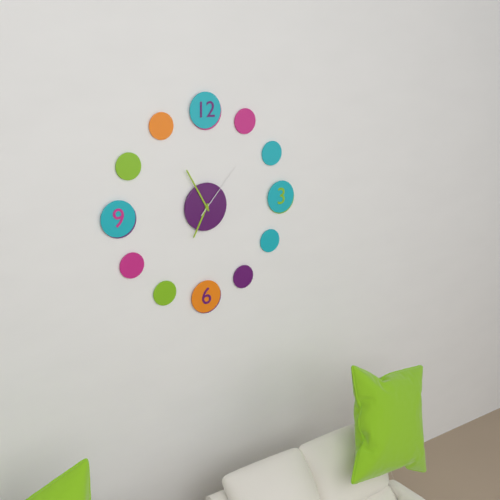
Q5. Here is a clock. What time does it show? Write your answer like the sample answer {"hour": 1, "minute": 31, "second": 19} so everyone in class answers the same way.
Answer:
{"hour": 6, "minute": 55, "second": 7}
